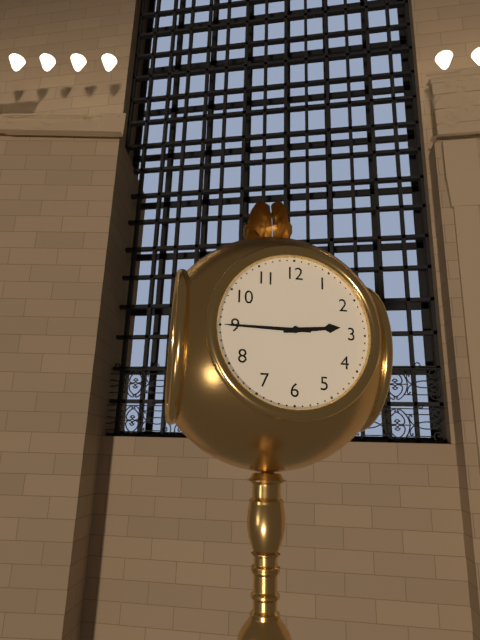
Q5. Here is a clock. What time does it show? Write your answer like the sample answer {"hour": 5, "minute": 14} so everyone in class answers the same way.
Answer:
{"hour": 2, "minute": 45}
